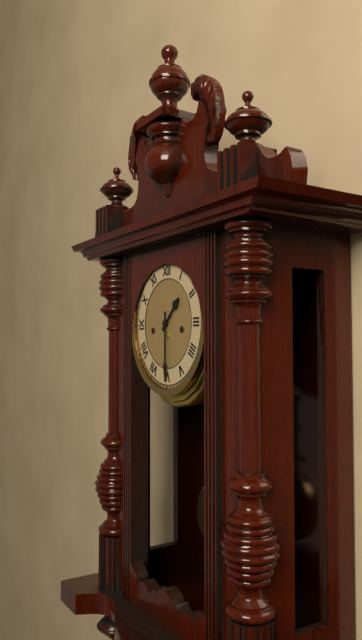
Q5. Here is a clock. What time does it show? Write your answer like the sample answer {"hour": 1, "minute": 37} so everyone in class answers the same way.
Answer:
{"hour": 1, "minute": 30}
